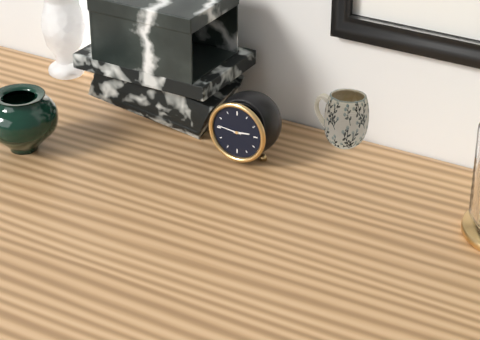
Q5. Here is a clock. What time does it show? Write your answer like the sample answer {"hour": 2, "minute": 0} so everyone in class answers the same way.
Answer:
{"hour": 2, "minute": 46}
